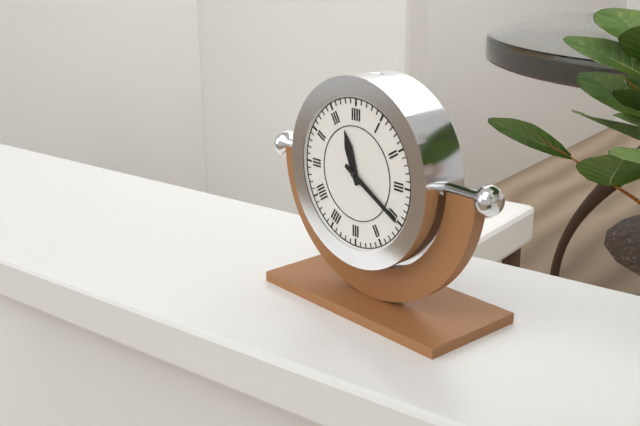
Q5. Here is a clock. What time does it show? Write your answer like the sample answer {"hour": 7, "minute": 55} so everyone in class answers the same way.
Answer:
{"hour": 11, "minute": 20}
